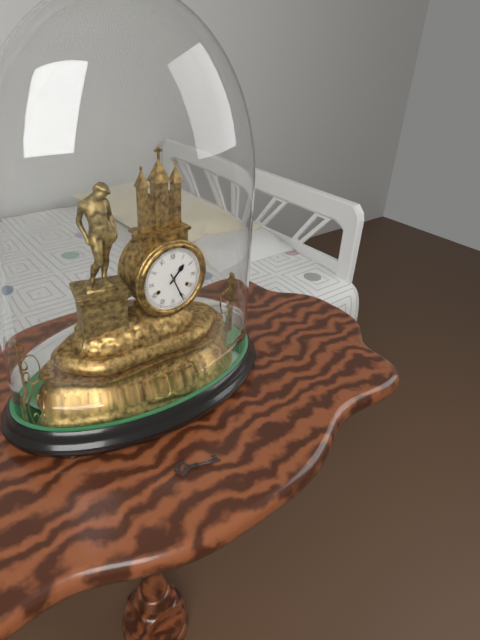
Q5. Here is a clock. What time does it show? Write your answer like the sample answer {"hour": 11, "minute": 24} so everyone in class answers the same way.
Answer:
{"hour": 1, "minute": 26}
